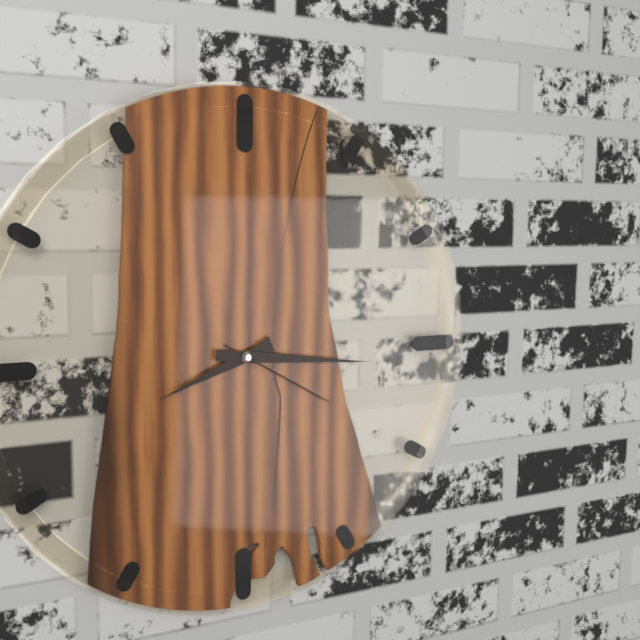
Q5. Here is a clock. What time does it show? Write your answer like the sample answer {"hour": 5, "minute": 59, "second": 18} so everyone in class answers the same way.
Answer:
{"hour": 8, "minute": 16, "second": 20}
